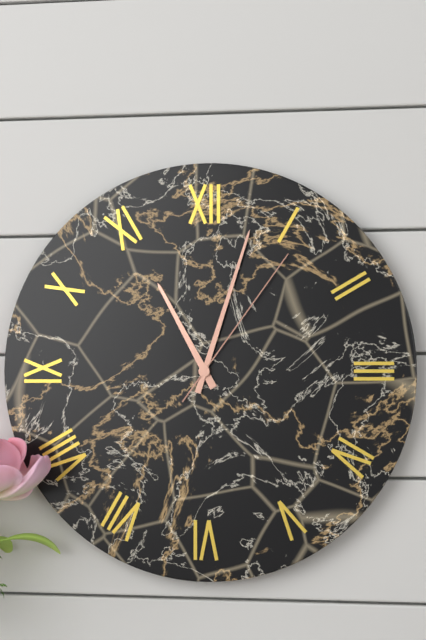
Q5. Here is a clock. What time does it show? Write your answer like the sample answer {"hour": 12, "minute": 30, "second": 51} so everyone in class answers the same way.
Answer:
{"hour": 11, "minute": 3, "second": 6}
